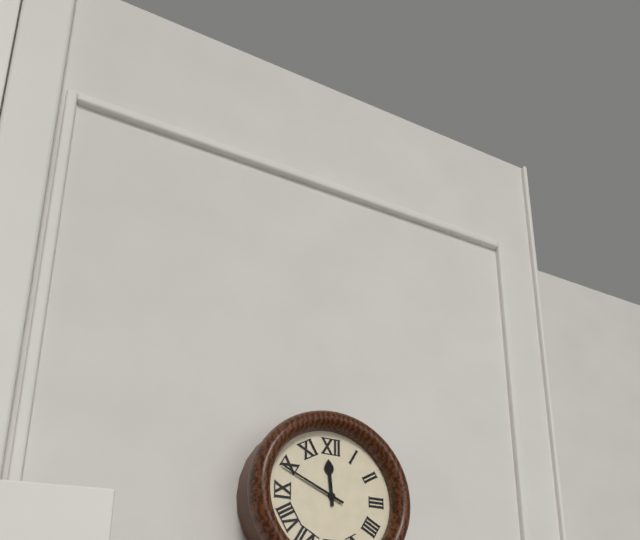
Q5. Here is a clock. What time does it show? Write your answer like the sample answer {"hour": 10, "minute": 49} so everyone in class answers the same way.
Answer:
{"hour": 11, "minute": 49}
